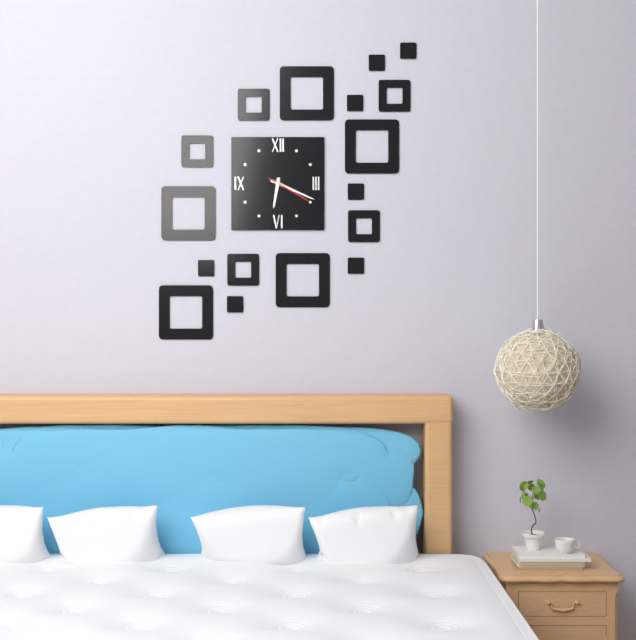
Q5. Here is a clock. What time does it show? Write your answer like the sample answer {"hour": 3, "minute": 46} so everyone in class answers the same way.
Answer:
{"hour": 6, "minute": 19}
